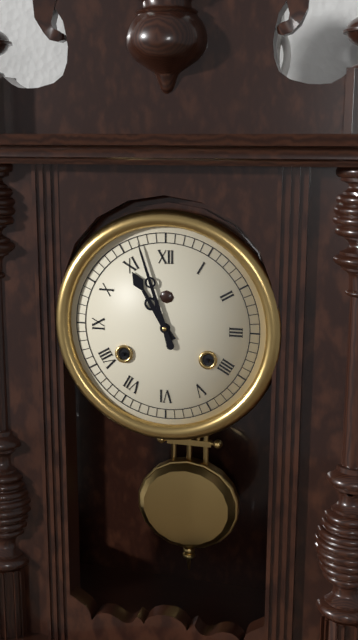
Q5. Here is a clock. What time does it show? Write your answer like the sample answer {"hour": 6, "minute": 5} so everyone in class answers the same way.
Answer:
{"hour": 10, "minute": 57}
